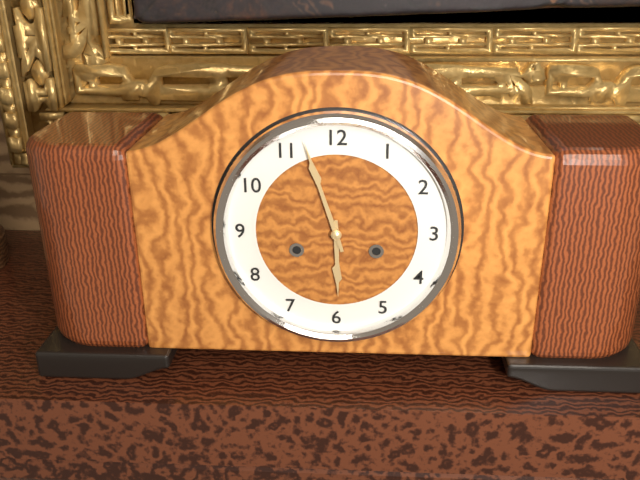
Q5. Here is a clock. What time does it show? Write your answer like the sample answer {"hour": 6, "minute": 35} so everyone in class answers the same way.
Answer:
{"hour": 5, "minute": 57}
